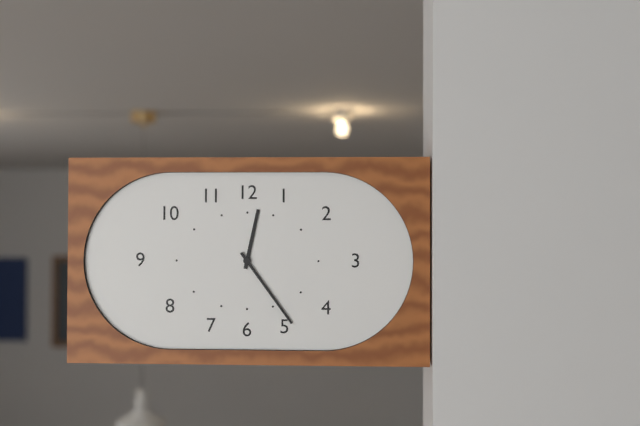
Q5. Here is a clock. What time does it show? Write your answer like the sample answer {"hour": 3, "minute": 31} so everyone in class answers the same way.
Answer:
{"hour": 12, "minute": 24}
